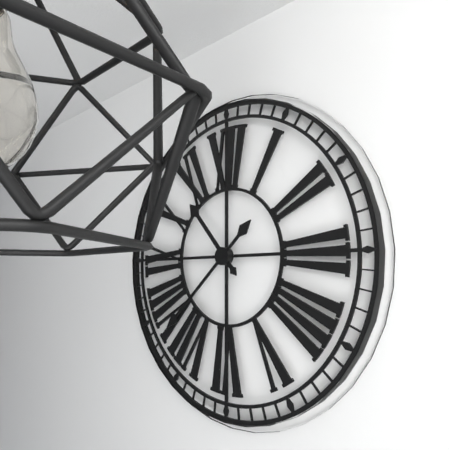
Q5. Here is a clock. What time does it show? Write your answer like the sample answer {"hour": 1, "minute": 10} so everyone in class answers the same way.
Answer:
{"hour": 10, "minute": 38}
